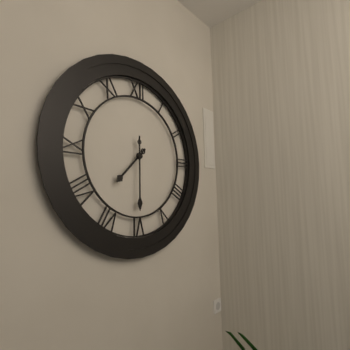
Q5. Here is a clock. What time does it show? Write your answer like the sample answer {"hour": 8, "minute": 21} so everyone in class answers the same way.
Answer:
{"hour": 7, "minute": 30}
